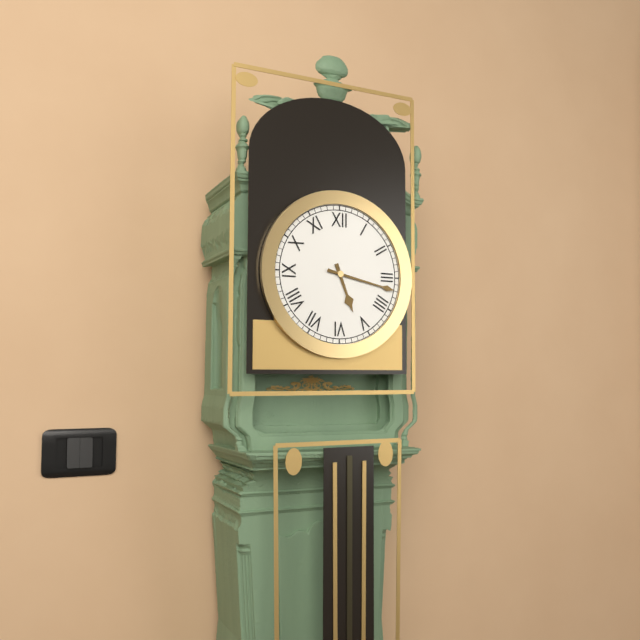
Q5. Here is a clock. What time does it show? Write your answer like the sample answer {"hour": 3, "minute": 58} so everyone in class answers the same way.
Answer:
{"hour": 5, "minute": 17}
